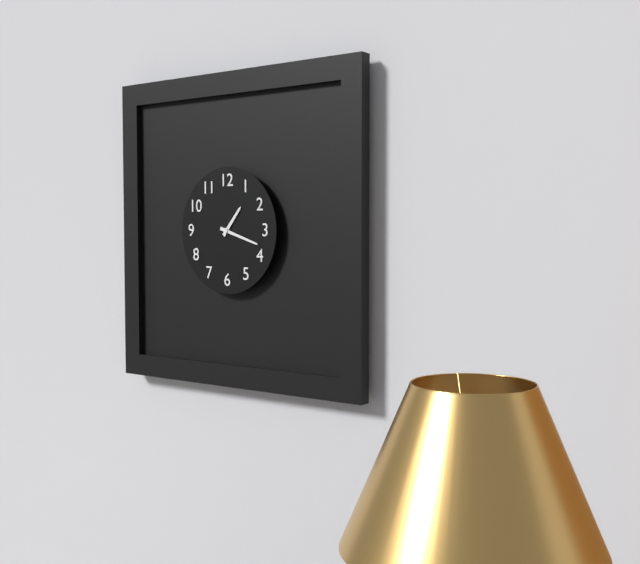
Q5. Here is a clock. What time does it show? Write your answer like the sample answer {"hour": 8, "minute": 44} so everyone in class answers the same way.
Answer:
{"hour": 1, "minute": 18}
